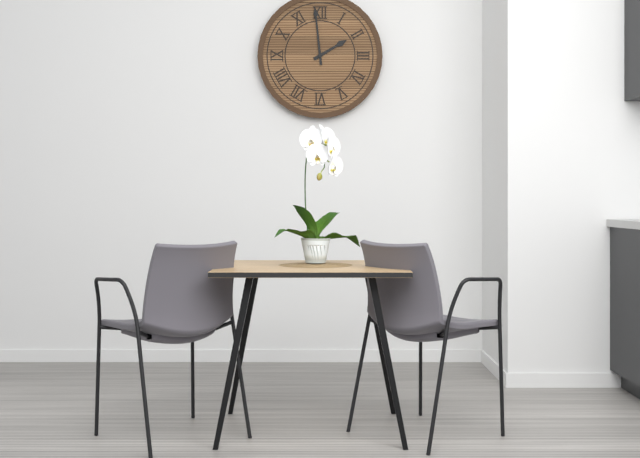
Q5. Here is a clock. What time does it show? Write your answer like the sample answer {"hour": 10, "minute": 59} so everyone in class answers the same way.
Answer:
{"hour": 1, "minute": 59}
